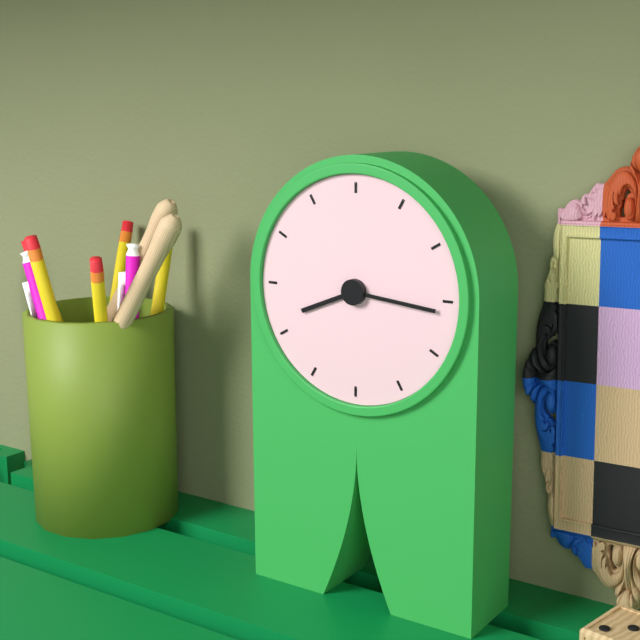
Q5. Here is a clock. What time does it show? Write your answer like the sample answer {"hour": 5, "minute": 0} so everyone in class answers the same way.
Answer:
{"hour": 8, "minute": 16}
